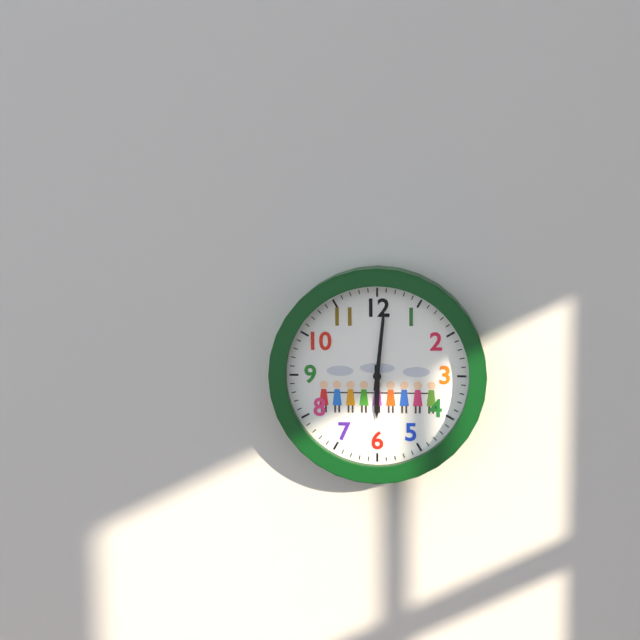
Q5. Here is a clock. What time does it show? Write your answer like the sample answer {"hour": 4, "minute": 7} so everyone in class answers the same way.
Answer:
{"hour": 6, "minute": 1}
